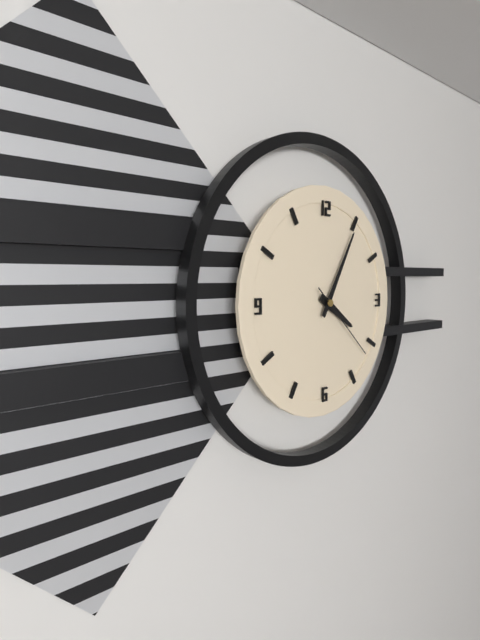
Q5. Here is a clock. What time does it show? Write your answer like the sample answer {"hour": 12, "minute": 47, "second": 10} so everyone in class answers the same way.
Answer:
{"hour": 4, "minute": 5, "second": 22}
